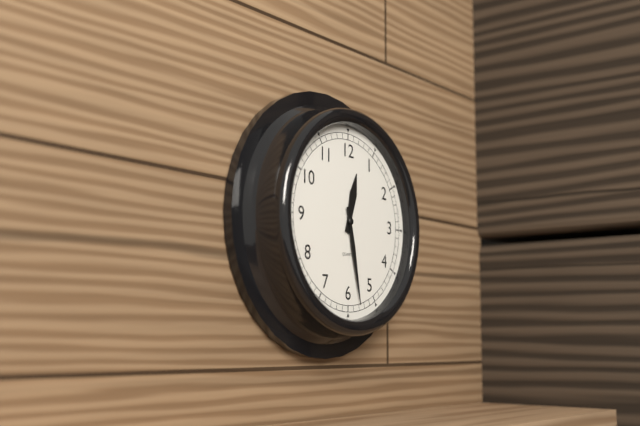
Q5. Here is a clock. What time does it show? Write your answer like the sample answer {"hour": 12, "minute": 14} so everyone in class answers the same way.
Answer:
{"hour": 12, "minute": 28}
